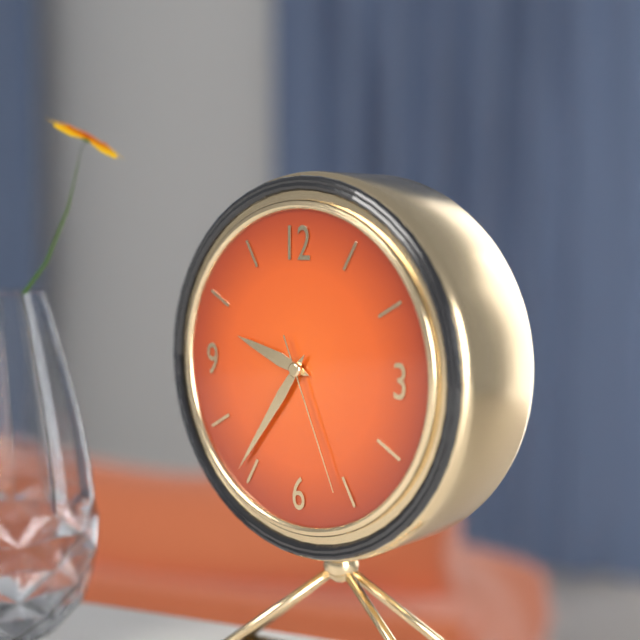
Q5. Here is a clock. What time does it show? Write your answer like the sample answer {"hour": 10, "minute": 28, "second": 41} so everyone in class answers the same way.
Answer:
{"hour": 9, "minute": 36, "second": 26}
